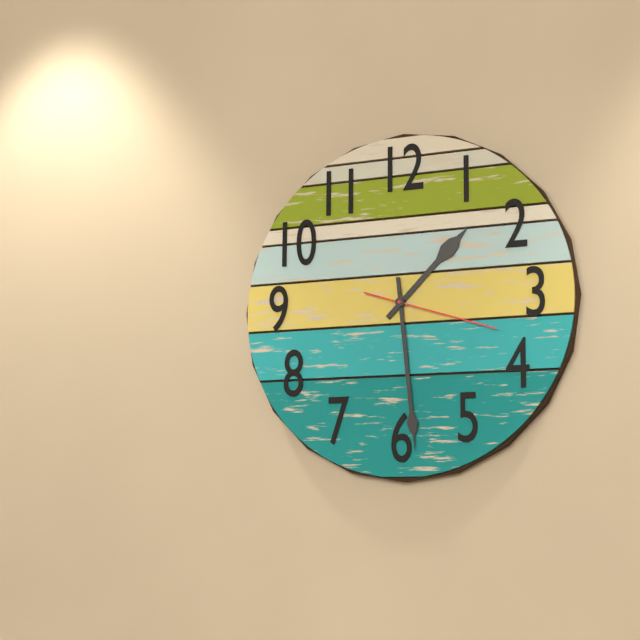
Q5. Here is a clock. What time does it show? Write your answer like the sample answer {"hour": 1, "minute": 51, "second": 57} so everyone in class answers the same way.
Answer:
{"hour": 1, "minute": 29, "second": 18}
